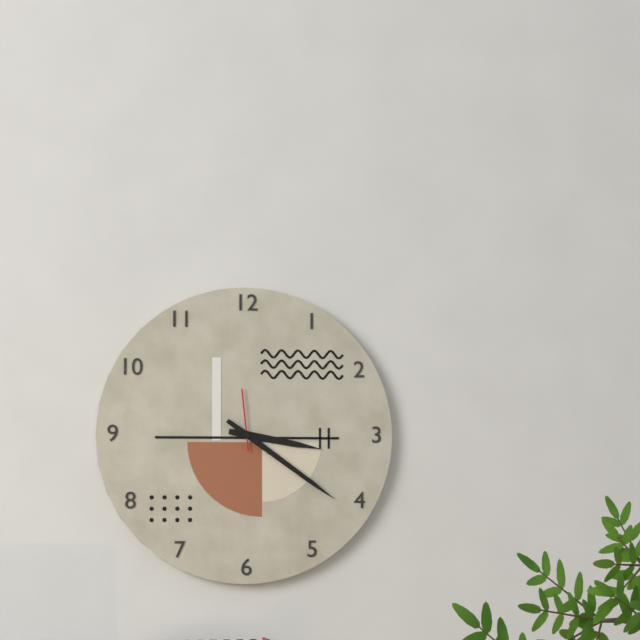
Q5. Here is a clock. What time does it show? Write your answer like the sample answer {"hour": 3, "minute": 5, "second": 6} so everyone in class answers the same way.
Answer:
{"hour": 3, "minute": 21, "second": 59}
